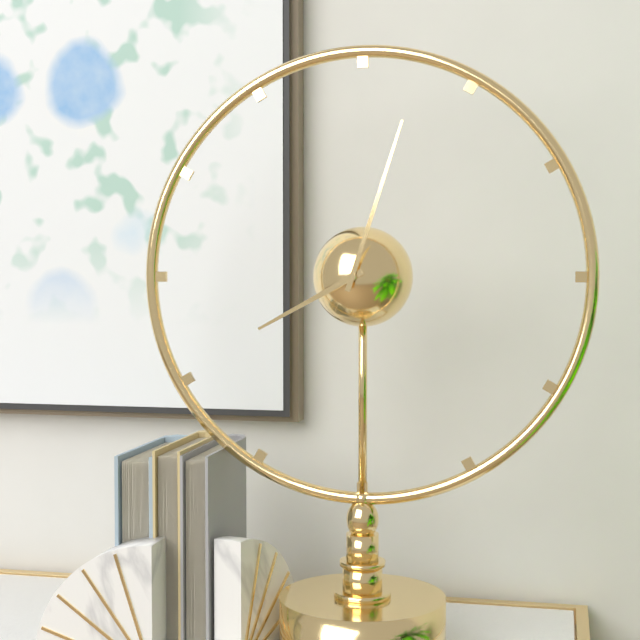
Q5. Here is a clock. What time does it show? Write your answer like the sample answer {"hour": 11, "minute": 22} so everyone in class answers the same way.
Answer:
{"hour": 8, "minute": 3}
